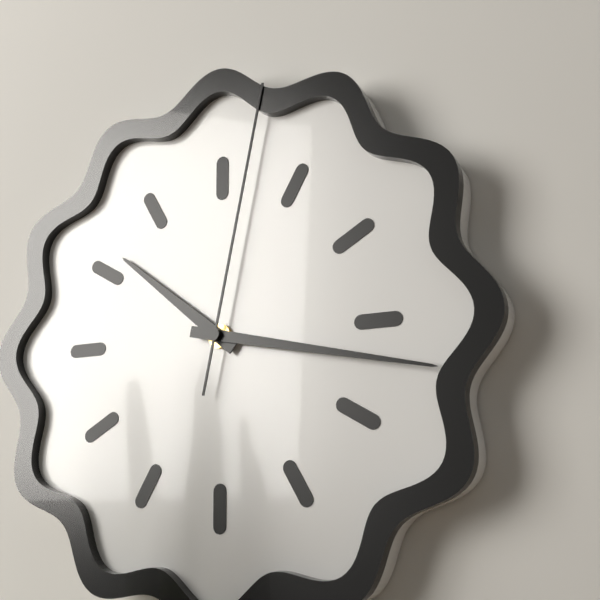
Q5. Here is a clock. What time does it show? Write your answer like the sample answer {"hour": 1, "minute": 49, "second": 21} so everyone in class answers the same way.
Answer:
{"hour": 10, "minute": 17, "second": 2}
